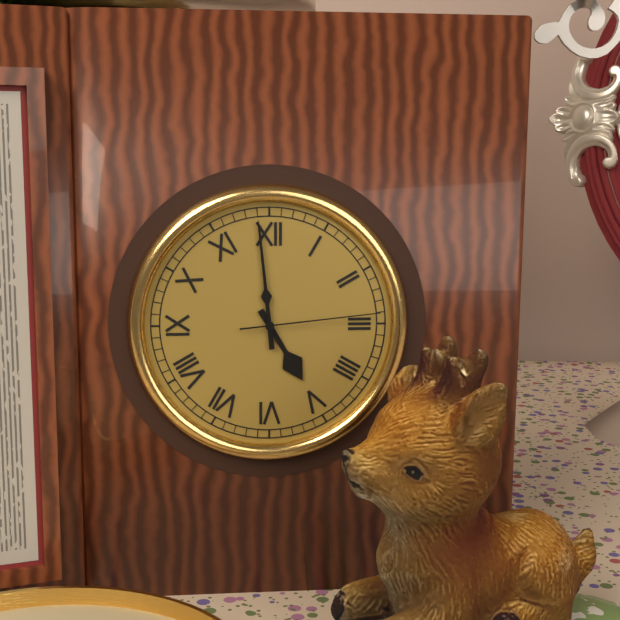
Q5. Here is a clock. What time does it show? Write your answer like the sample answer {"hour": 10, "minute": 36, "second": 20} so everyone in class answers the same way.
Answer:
{"hour": 4, "minute": 59, "second": 14}
